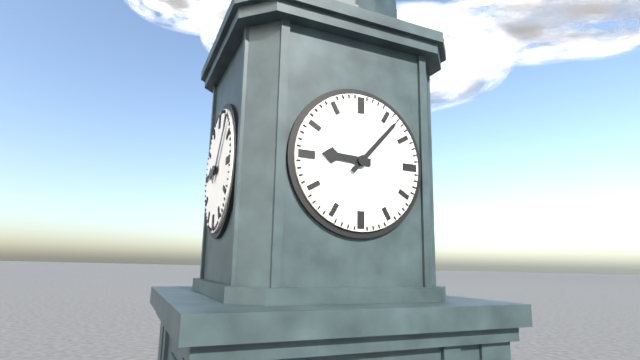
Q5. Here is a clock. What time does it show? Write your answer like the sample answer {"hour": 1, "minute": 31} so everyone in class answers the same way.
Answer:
{"hour": 9, "minute": 7}
